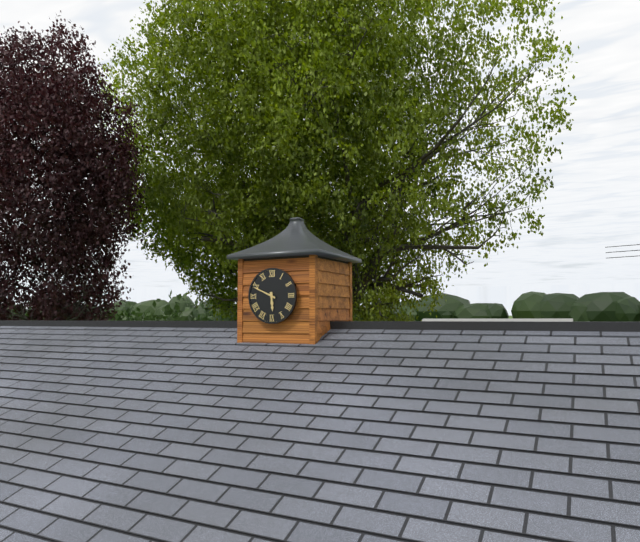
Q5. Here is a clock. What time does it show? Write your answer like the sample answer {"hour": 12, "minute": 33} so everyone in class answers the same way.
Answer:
{"hour": 5, "minute": 49}
